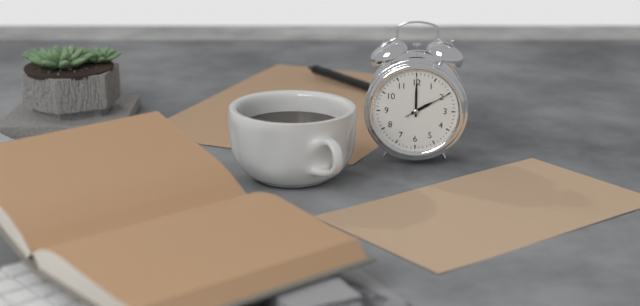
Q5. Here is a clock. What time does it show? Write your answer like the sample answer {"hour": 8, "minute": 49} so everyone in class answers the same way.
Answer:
{"hour": 2, "minute": 0}
